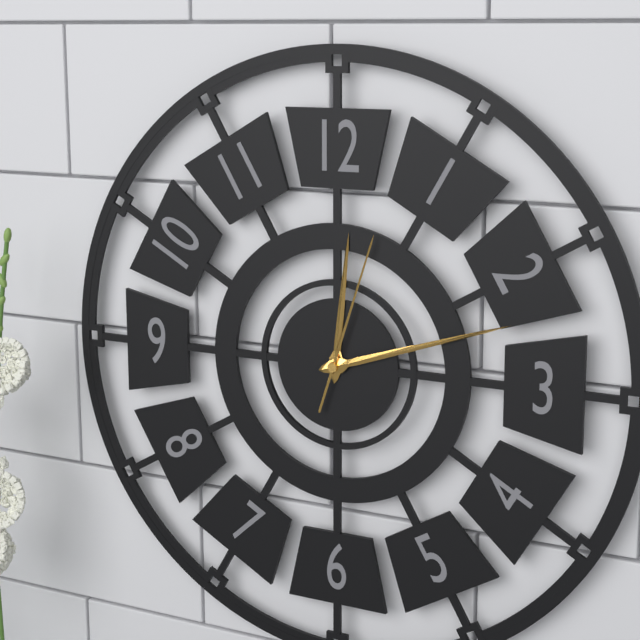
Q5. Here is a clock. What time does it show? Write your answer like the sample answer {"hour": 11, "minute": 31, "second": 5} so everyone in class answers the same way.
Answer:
{"hour": 12, "minute": 12, "second": 3}
